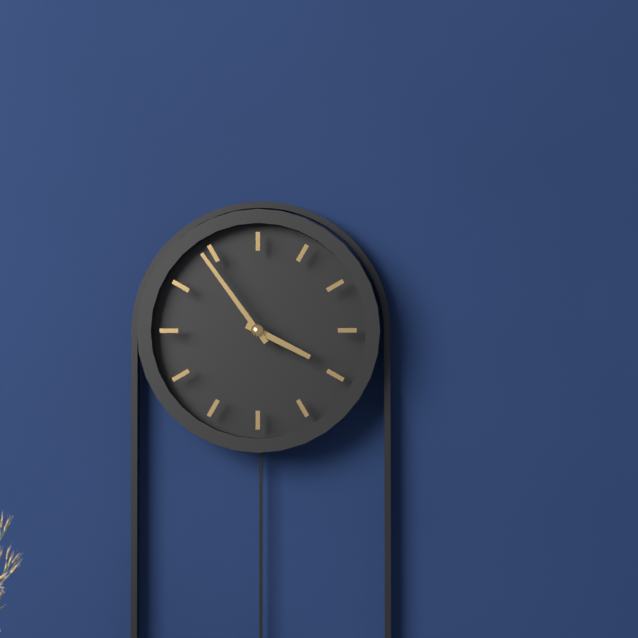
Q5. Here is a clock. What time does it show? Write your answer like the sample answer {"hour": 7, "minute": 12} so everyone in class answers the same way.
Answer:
{"hour": 3, "minute": 54}
